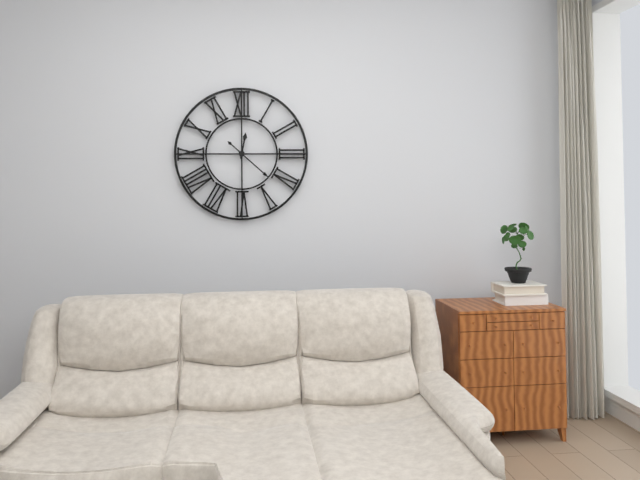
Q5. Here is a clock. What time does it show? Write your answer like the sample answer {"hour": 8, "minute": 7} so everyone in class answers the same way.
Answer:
{"hour": 12, "minute": 22}
